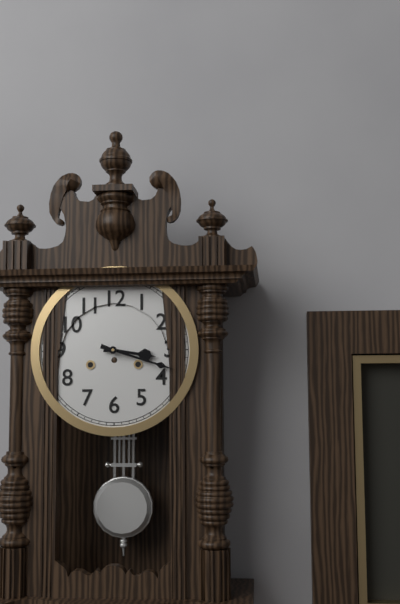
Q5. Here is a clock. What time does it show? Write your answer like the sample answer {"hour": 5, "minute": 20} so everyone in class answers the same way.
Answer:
{"hour": 3, "minute": 18}
